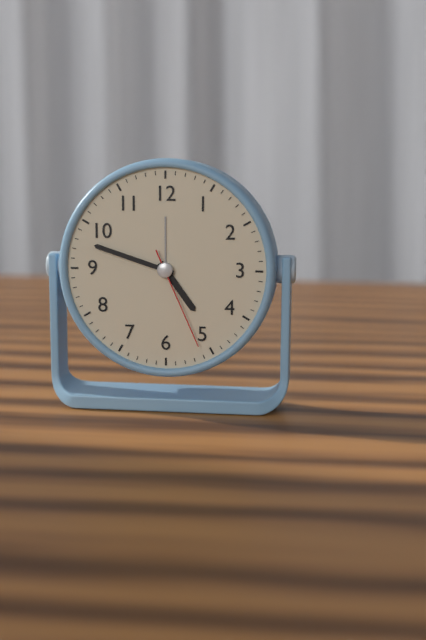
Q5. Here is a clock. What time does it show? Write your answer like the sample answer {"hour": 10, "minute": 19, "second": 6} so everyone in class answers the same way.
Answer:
{"hour": 4, "minute": 48, "second": 26}
